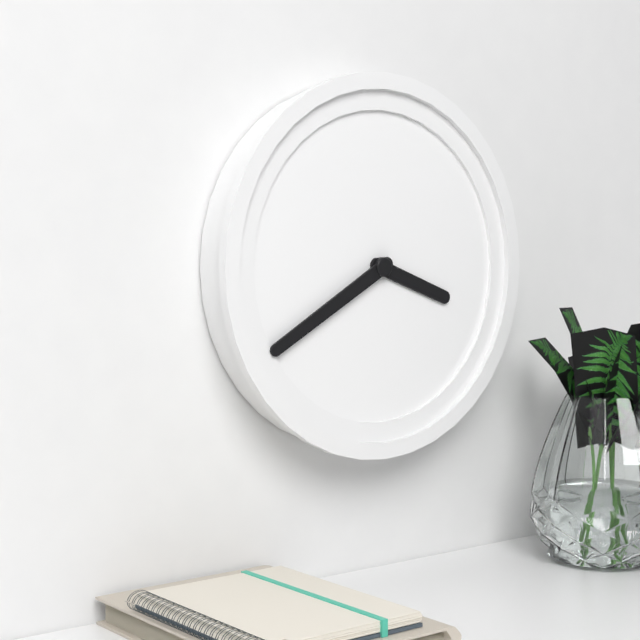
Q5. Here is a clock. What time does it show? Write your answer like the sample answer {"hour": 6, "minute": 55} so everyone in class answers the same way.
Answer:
{"hour": 3, "minute": 40}
